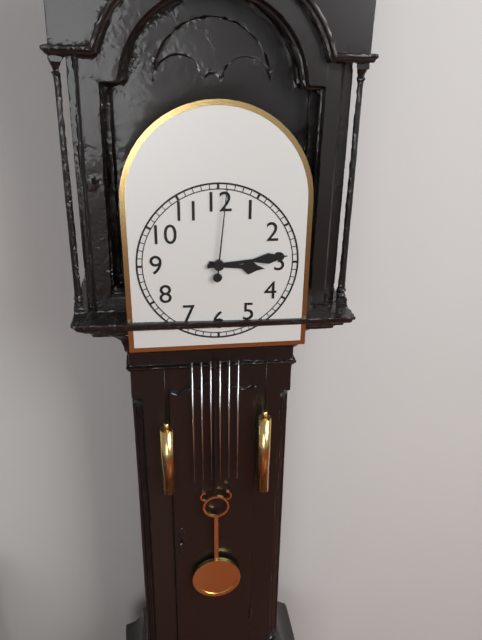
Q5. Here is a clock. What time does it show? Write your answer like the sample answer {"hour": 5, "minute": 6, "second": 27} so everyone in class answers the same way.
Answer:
{"hour": 3, "minute": 14, "second": 1}
